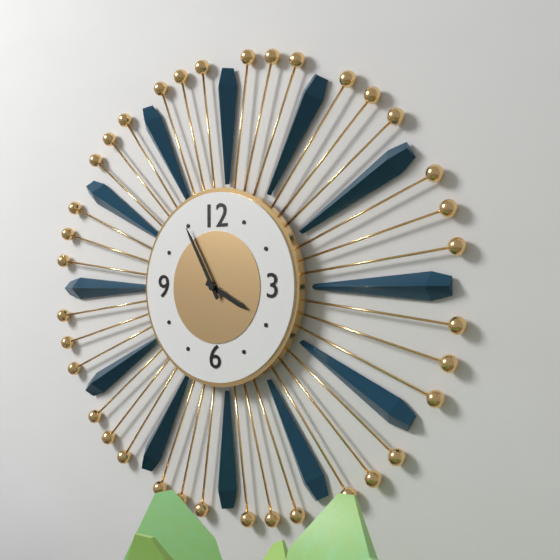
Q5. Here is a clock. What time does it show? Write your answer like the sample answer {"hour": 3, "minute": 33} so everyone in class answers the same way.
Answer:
{"hour": 3, "minute": 55}
